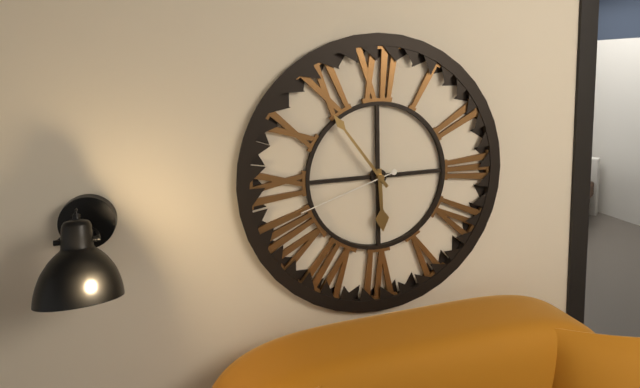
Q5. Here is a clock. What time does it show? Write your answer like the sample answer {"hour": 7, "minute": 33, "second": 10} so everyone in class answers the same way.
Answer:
{"hour": 5, "minute": 54, "second": 42}
